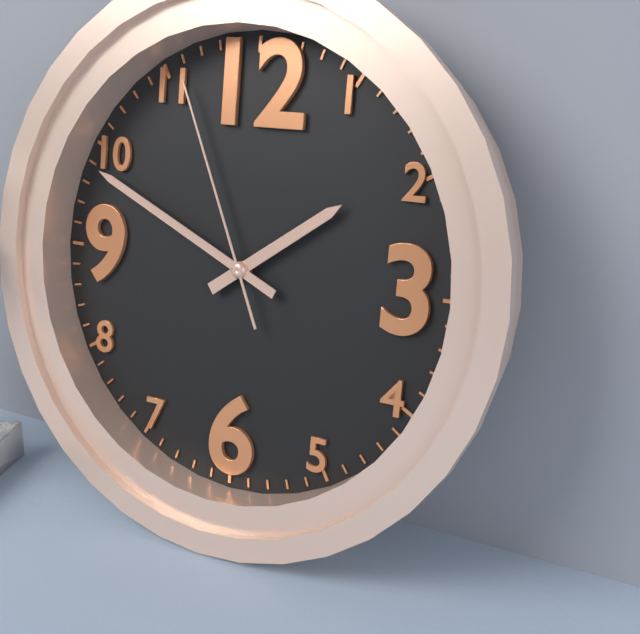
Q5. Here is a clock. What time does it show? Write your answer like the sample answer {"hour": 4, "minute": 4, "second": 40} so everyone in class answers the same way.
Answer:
{"hour": 1, "minute": 49, "second": 56}
